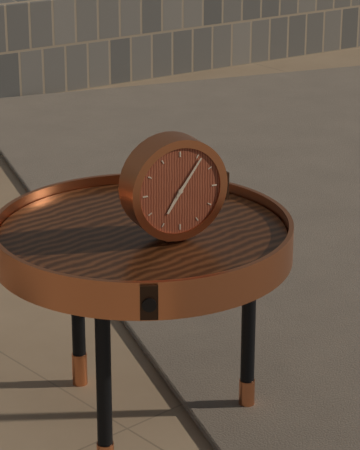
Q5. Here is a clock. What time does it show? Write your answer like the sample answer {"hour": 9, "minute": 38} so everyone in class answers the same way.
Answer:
{"hour": 7, "minute": 6}
